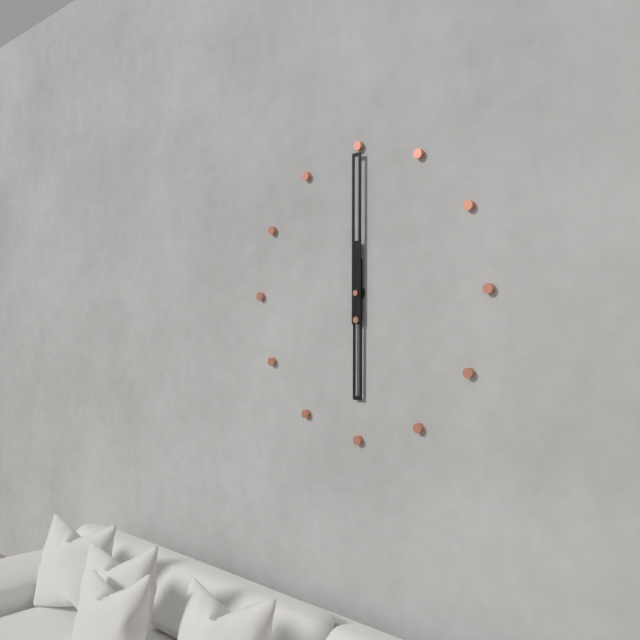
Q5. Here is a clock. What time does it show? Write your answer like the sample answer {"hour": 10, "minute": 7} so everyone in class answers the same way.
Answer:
{"hour": 6, "minute": 0}
